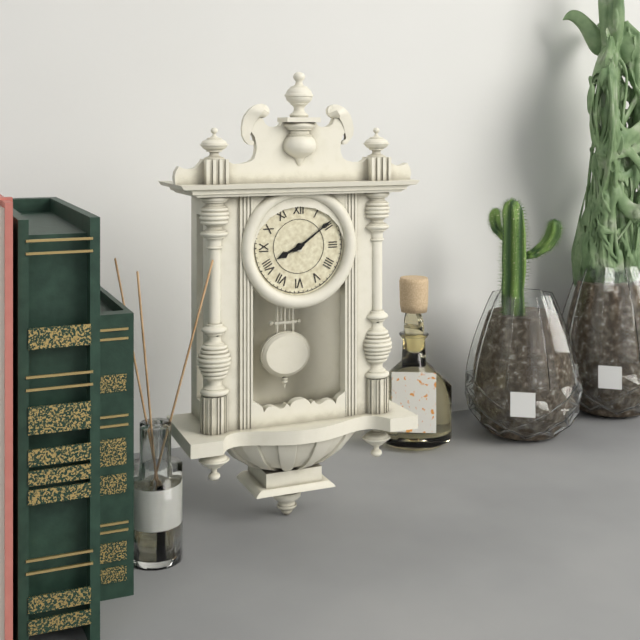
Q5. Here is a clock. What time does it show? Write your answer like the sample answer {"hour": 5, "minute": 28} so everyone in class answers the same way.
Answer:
{"hour": 8, "minute": 9}
